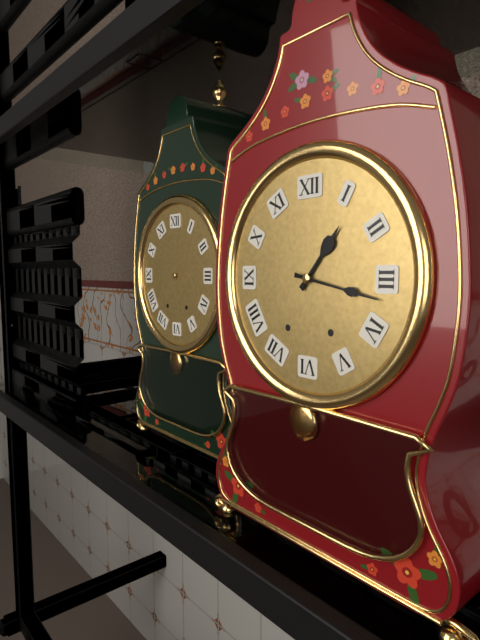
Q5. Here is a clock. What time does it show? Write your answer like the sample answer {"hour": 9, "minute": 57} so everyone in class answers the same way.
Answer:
{"hour": 1, "minute": 17}
